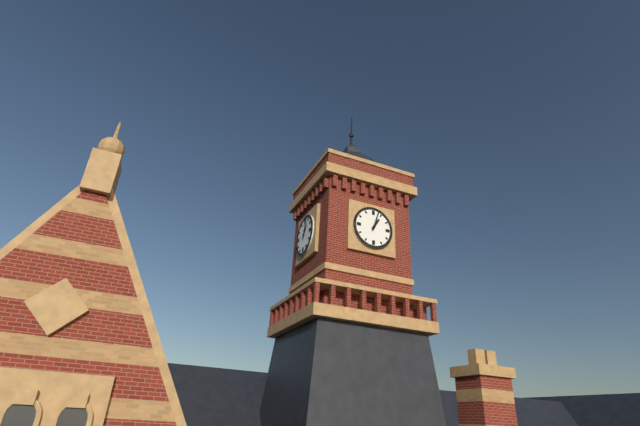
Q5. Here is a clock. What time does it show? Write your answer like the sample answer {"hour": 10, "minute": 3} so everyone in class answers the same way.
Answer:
{"hour": 1, "minute": 3}
